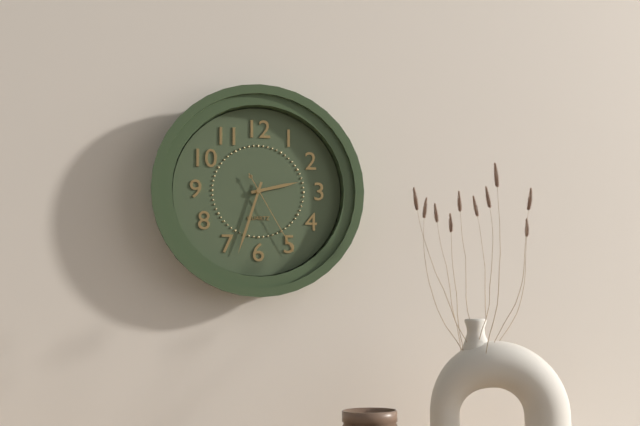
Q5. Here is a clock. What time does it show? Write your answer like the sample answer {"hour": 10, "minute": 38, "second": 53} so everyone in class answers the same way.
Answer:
{"hour": 2, "minute": 33, "second": 25}
